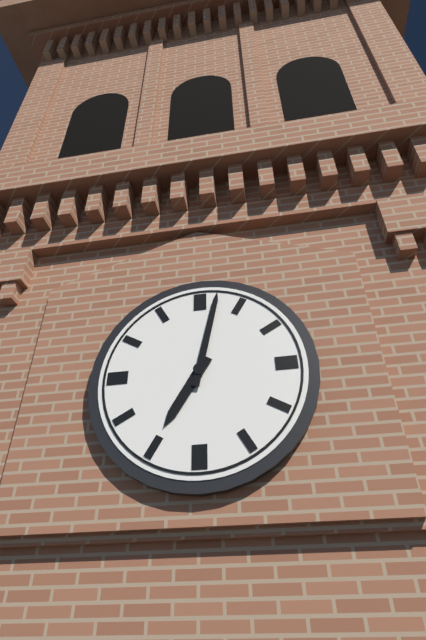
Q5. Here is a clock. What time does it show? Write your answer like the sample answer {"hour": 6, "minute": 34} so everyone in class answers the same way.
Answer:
{"hour": 7, "minute": 2}
